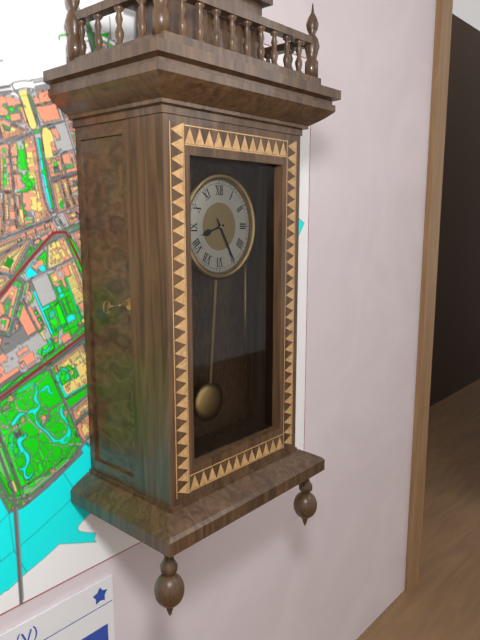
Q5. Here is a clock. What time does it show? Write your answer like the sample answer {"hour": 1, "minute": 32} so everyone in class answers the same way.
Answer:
{"hour": 8, "minute": 25}
